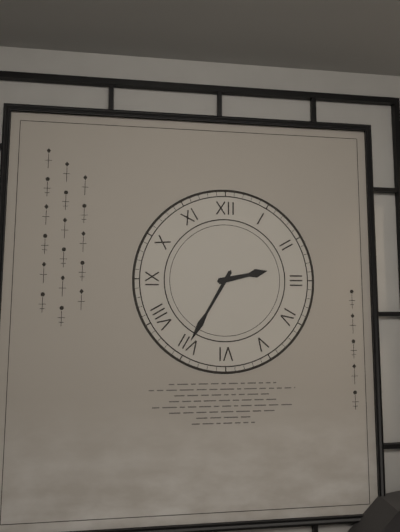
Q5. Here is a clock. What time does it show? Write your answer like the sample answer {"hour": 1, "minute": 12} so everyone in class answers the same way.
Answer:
{"hour": 2, "minute": 35}
